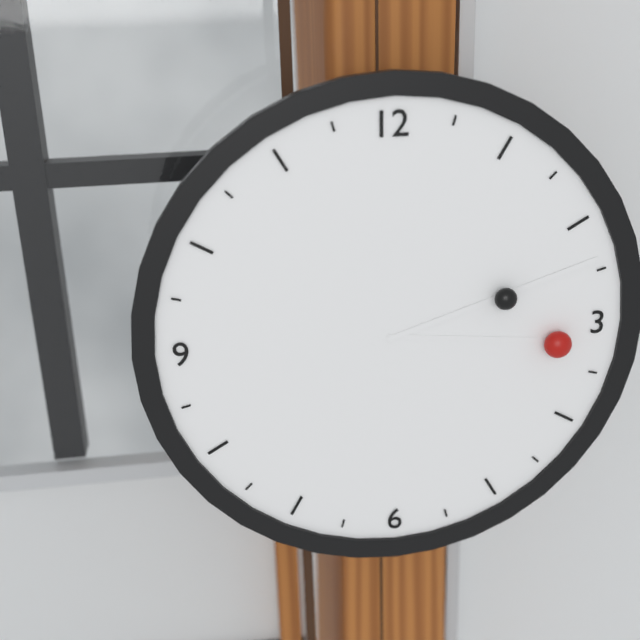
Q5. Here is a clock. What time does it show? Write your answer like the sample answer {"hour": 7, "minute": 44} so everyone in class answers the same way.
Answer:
{"hour": 3, "minute": 12}
